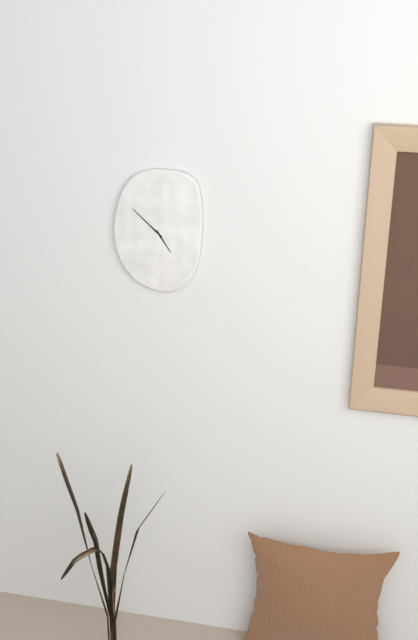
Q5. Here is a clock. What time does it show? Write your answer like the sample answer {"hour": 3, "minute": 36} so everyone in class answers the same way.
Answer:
{"hour": 4, "minute": 52}
